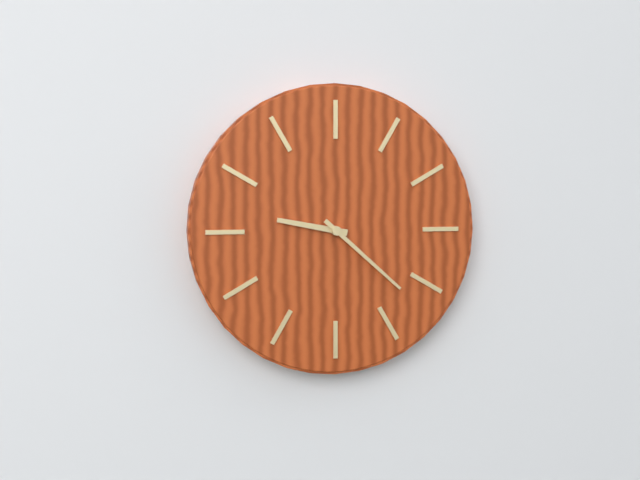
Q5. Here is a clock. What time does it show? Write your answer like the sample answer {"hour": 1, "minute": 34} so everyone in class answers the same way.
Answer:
{"hour": 9, "minute": 22}
